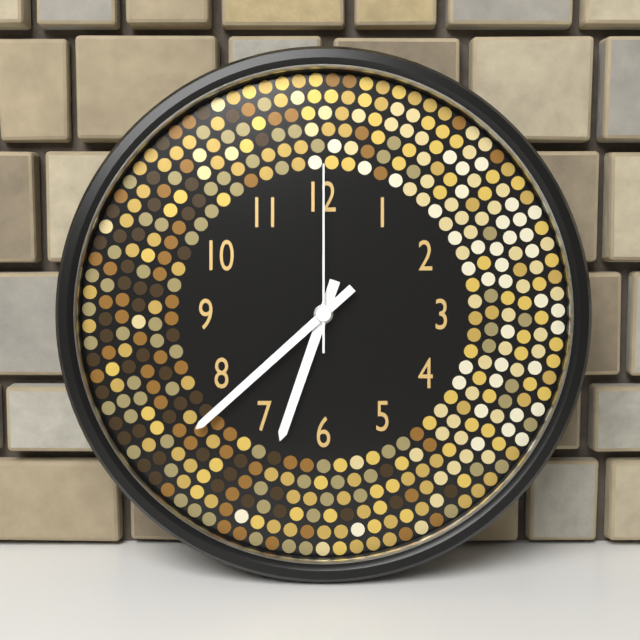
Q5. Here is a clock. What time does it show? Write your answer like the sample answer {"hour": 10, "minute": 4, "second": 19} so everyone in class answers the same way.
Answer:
{"hour": 6, "minute": 38, "second": 0}
